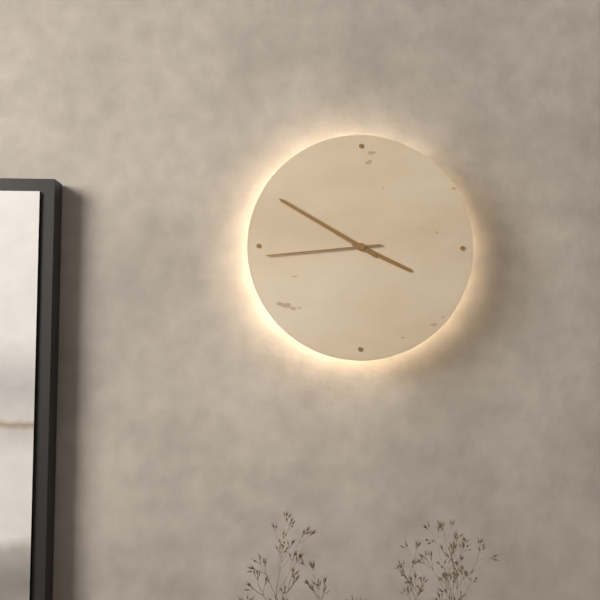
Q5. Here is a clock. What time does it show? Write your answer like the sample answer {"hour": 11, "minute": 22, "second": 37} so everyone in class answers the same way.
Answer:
{"hour": 3, "minute": 50, "second": 44}
